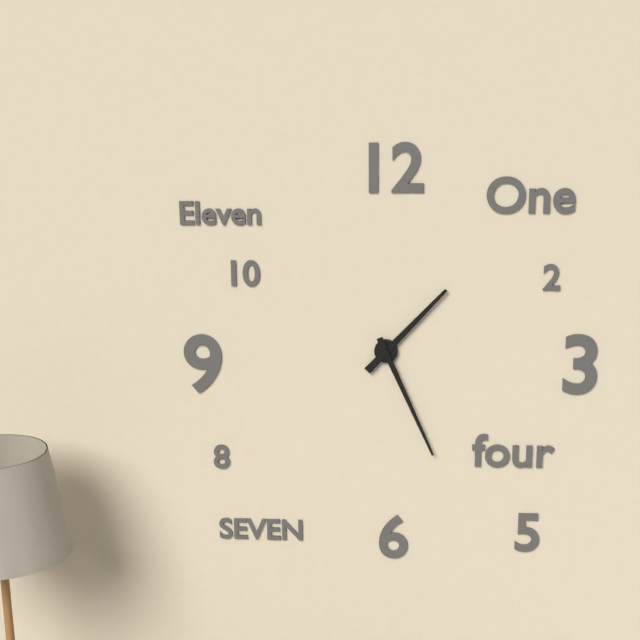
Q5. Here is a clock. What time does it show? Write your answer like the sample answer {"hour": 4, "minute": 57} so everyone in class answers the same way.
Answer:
{"hour": 1, "minute": 26}
